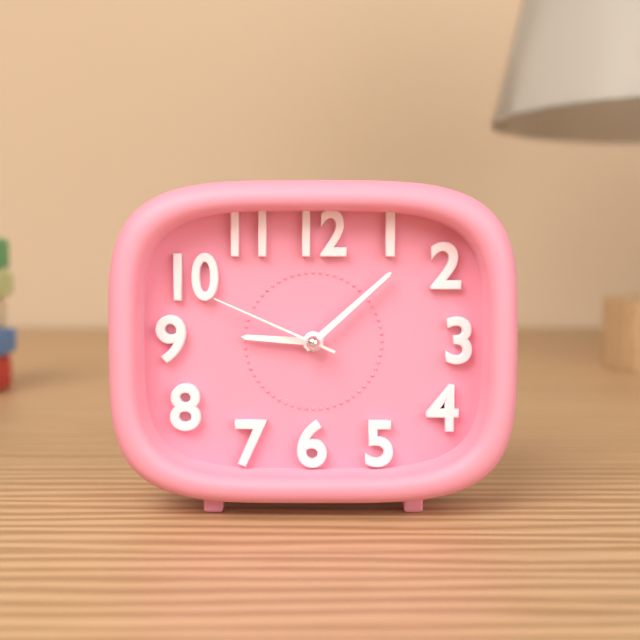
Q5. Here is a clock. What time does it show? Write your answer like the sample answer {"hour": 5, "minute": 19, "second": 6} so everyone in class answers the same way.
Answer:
{"hour": 9, "minute": 8, "second": 49}
